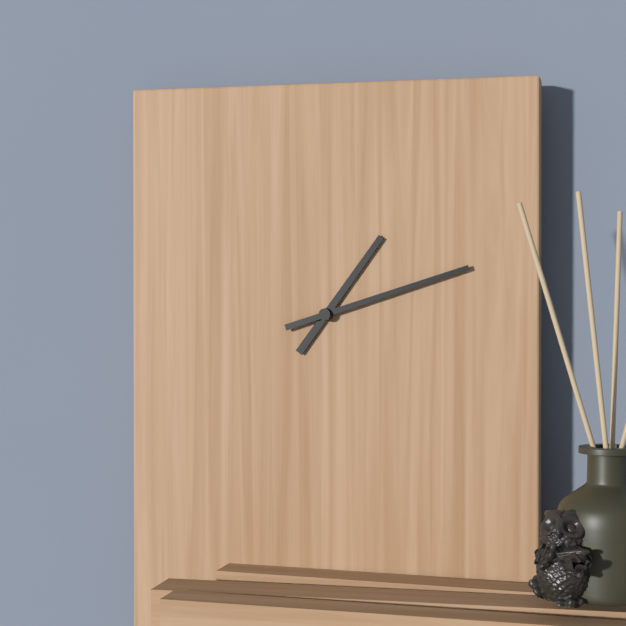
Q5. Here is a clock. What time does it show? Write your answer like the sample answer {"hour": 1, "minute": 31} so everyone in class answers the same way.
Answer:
{"hour": 1, "minute": 12}
